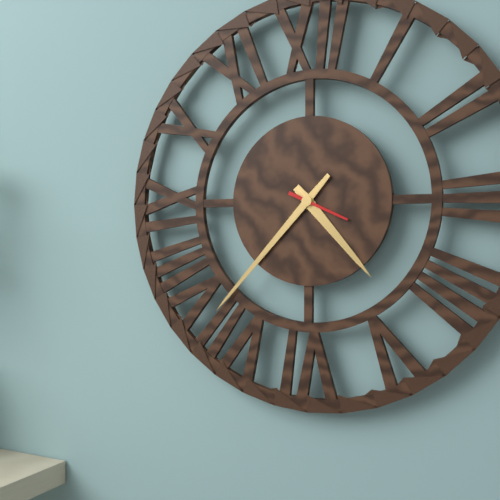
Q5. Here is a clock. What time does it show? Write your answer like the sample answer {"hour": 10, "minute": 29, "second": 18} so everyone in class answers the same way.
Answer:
{"hour": 4, "minute": 37, "second": 19}
